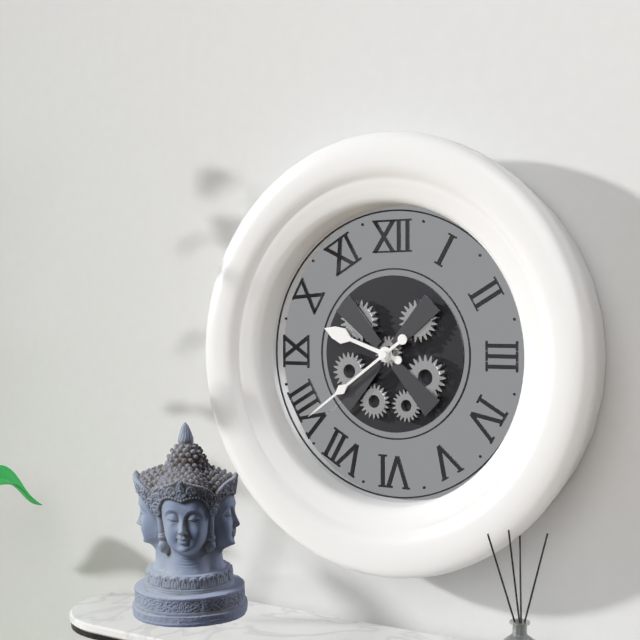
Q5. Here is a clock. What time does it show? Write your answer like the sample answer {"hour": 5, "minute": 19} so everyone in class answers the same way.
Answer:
{"hour": 9, "minute": 39}
